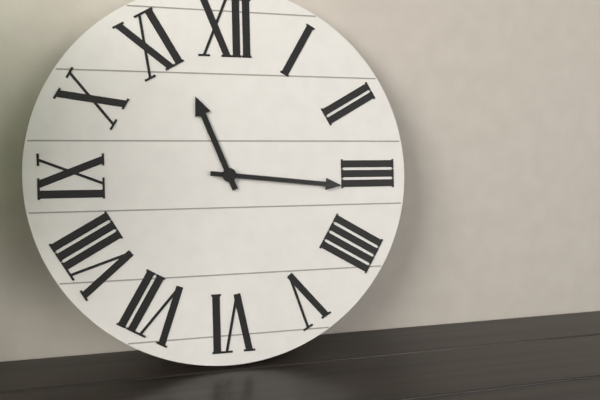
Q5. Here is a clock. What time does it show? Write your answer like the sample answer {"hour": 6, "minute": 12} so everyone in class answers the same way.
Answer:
{"hour": 11, "minute": 16}
